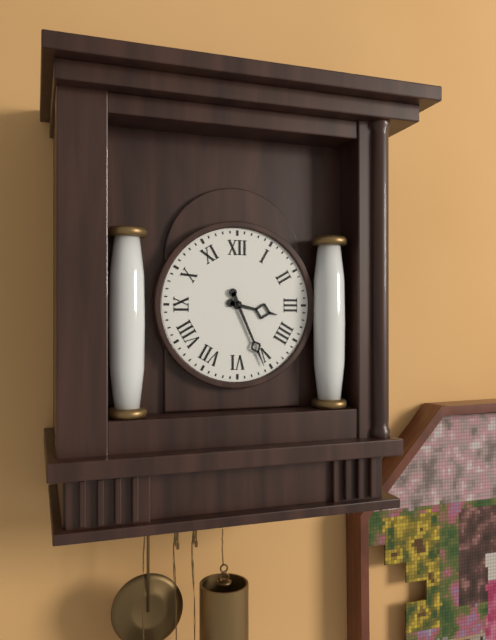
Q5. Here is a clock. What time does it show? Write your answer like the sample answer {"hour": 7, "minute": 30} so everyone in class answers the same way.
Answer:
{"hour": 3, "minute": 26}
